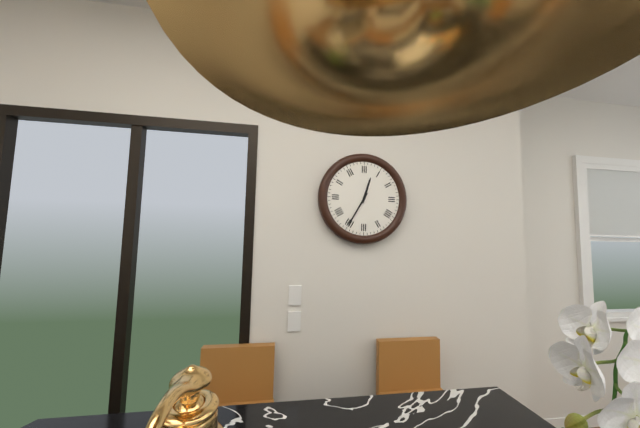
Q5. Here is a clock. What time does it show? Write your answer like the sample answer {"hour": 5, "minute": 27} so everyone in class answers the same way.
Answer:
{"hour": 12, "minute": 35}
